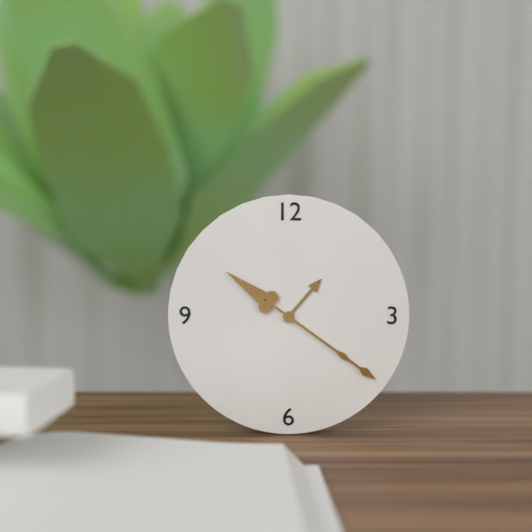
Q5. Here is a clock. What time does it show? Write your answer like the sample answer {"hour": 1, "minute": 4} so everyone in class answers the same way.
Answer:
{"hour": 1, "minute": 21}
